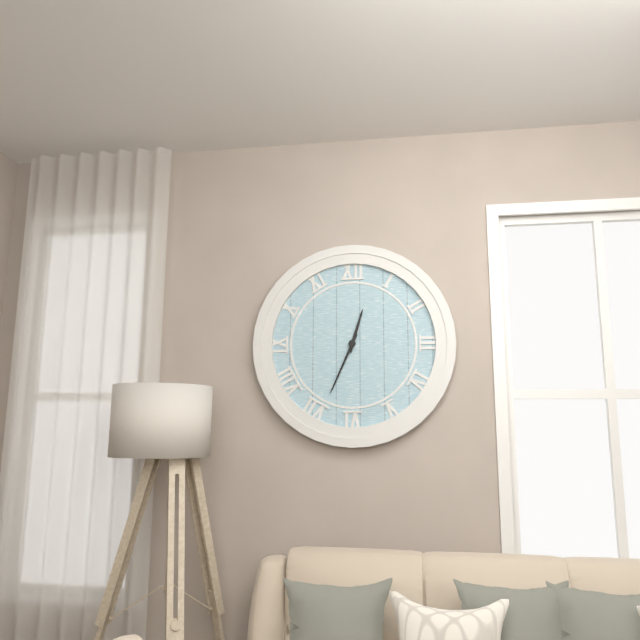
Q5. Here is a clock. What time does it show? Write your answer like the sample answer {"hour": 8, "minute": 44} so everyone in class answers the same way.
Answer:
{"hour": 12, "minute": 34}
